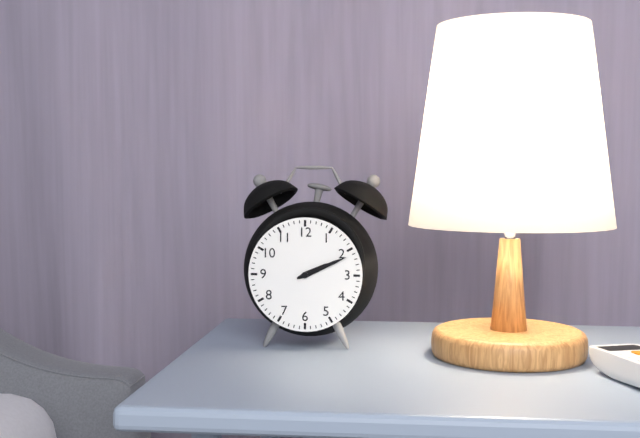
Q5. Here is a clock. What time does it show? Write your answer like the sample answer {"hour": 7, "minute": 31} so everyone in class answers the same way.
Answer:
{"hour": 2, "minute": 11}
